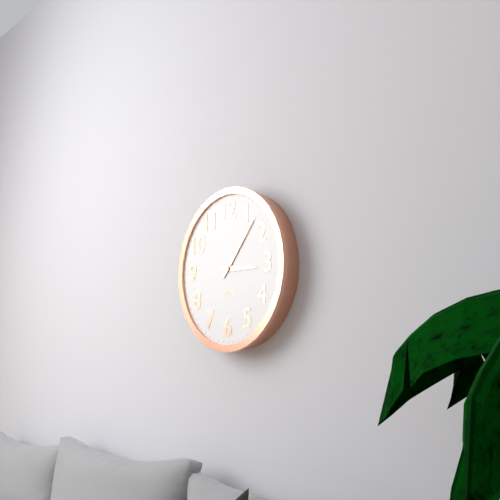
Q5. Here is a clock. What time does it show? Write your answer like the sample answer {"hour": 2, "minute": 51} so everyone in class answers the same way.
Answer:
{"hour": 3, "minute": 7}
